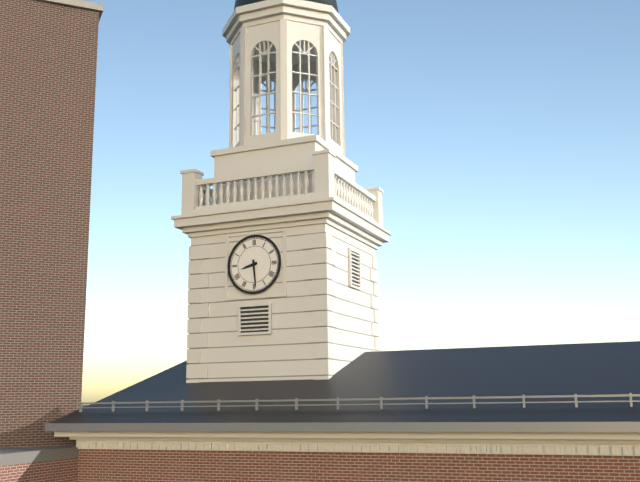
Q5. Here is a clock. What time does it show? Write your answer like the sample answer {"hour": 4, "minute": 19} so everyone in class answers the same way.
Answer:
{"hour": 8, "minute": 29}
